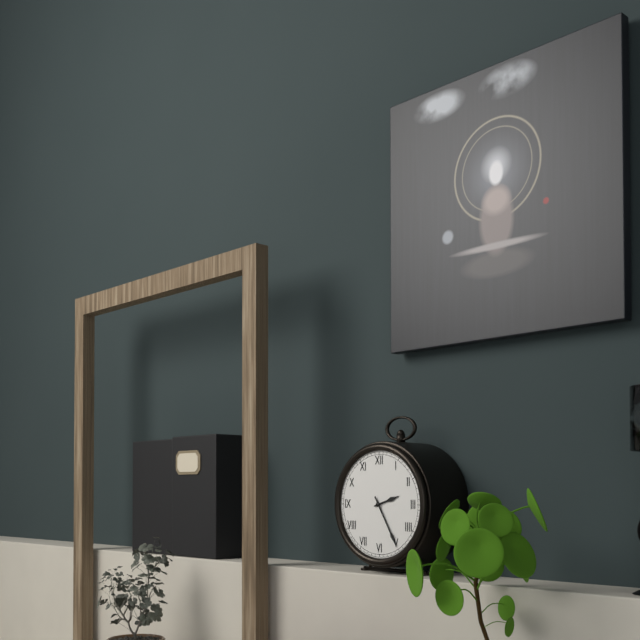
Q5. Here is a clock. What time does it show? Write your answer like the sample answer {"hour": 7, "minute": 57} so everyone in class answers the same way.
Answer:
{"hour": 2, "minute": 25}
